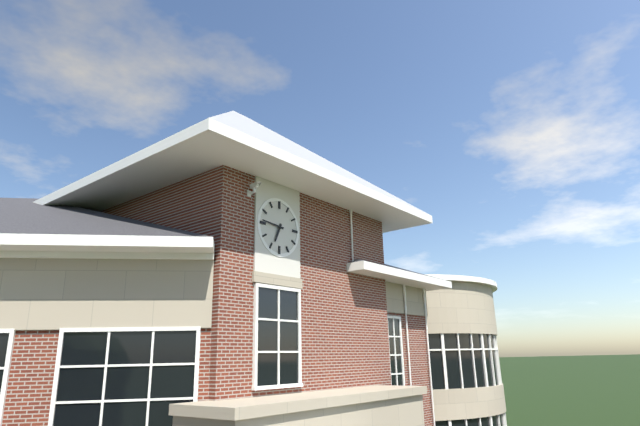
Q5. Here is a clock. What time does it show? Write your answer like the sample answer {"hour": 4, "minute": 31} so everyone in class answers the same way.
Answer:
{"hour": 6, "minute": 46}
